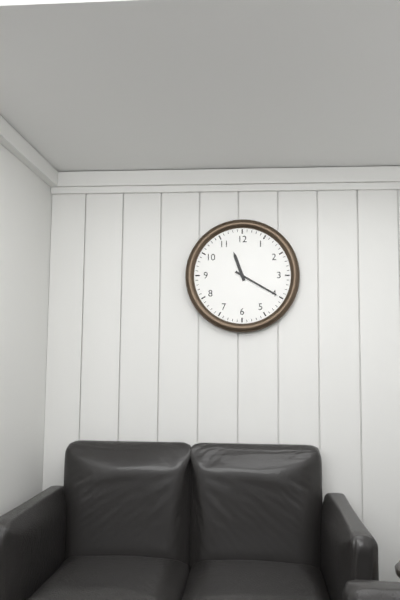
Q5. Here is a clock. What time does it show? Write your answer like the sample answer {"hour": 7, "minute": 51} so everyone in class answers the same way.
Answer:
{"hour": 11, "minute": 20}
